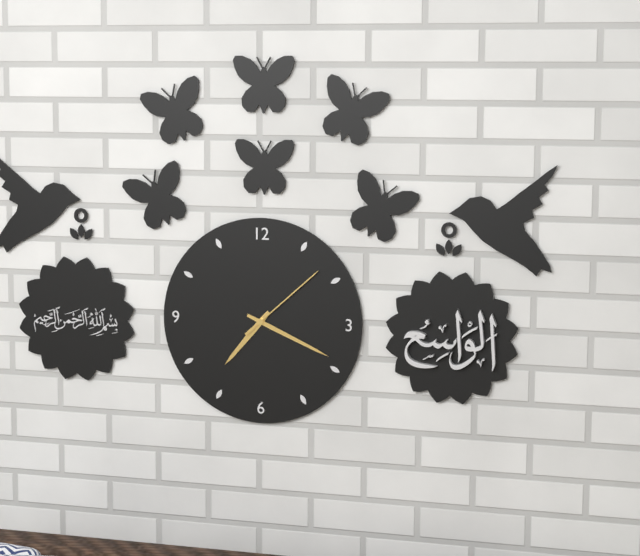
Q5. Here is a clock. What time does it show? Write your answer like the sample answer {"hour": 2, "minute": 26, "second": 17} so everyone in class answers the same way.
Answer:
{"hour": 7, "minute": 19, "second": 8}
